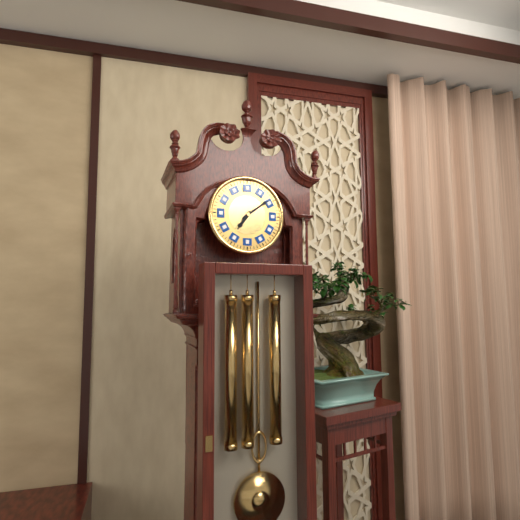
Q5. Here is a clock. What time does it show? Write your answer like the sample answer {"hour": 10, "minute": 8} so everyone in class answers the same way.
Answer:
{"hour": 7, "minute": 9}
